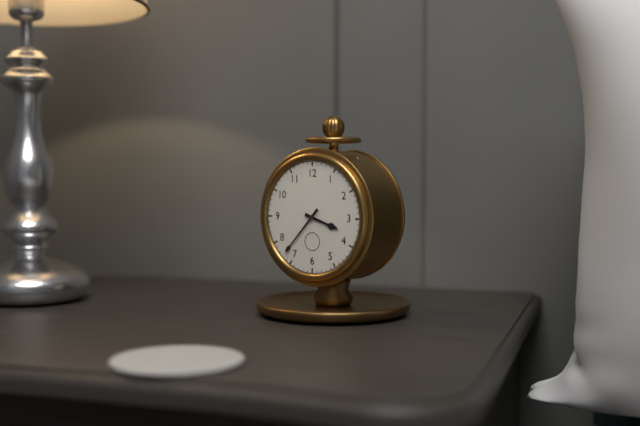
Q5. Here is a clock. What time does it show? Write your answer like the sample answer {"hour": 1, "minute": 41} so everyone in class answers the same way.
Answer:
{"hour": 3, "minute": 37}
